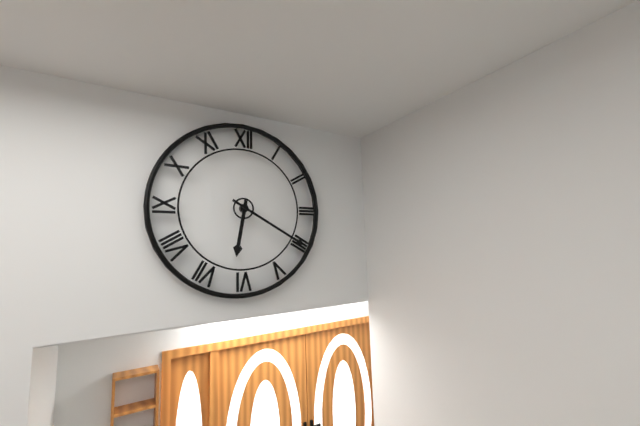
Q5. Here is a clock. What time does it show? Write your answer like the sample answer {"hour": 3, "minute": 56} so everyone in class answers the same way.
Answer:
{"hour": 6, "minute": 20}
